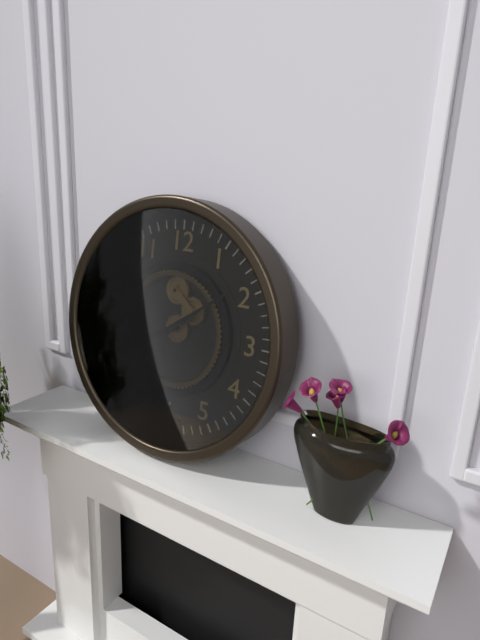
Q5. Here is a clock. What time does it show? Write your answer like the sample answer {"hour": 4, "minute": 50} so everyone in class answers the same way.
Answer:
{"hour": 8, "minute": 9}
